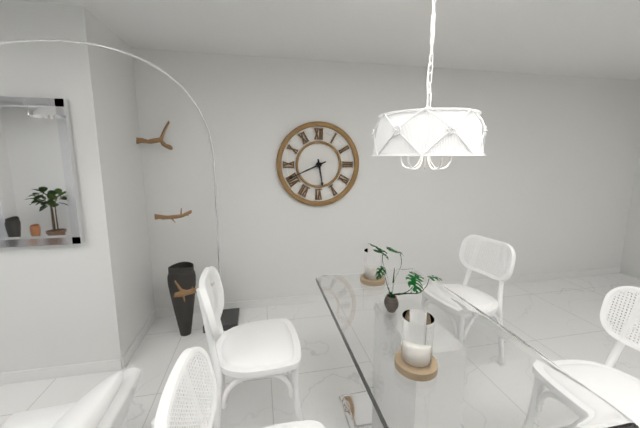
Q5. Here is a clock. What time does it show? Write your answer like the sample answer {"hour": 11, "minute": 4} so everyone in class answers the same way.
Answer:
{"hour": 5, "minute": 41}
